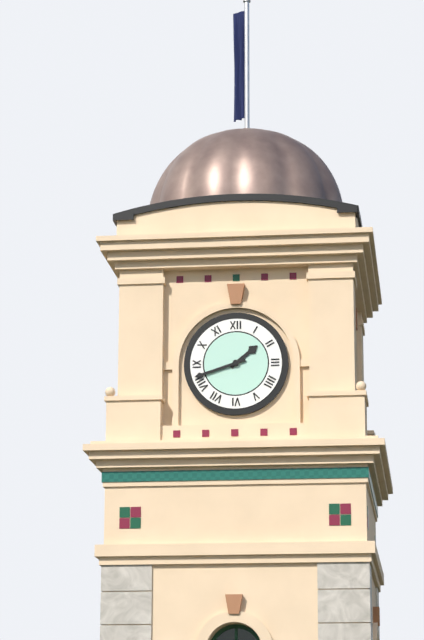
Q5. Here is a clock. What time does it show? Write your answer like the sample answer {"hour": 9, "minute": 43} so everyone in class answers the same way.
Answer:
{"hour": 1, "minute": 42}
